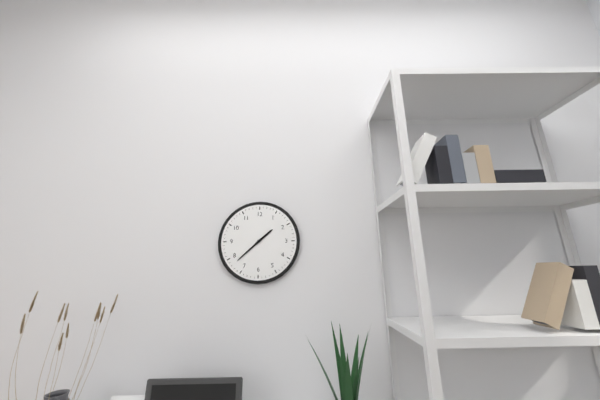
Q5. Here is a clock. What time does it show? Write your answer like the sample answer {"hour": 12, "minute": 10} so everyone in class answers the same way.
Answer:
{"hour": 1, "minute": 38}
